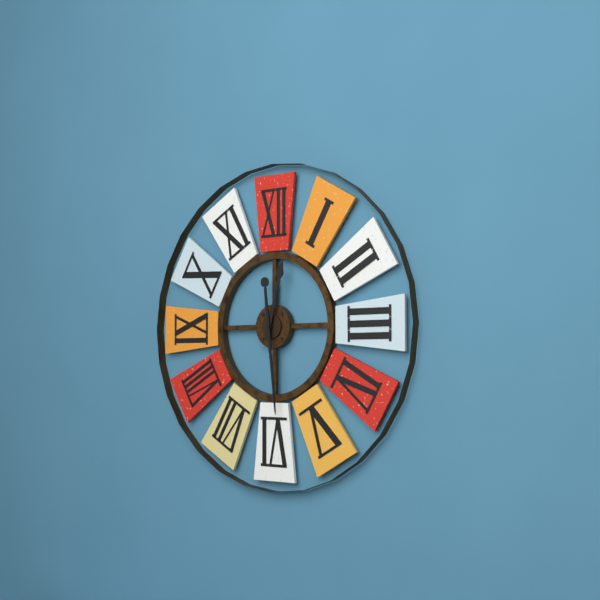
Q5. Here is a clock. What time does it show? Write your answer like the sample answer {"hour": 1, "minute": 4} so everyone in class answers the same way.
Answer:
{"hour": 12, "minute": 29}
